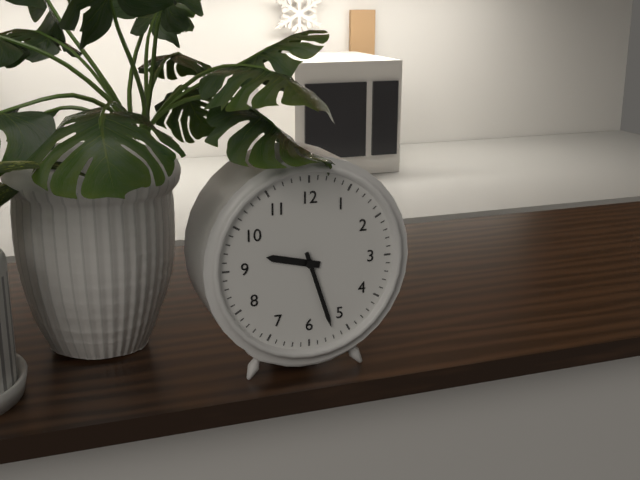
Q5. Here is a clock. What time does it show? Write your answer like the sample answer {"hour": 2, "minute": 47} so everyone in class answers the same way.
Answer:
{"hour": 9, "minute": 27}
